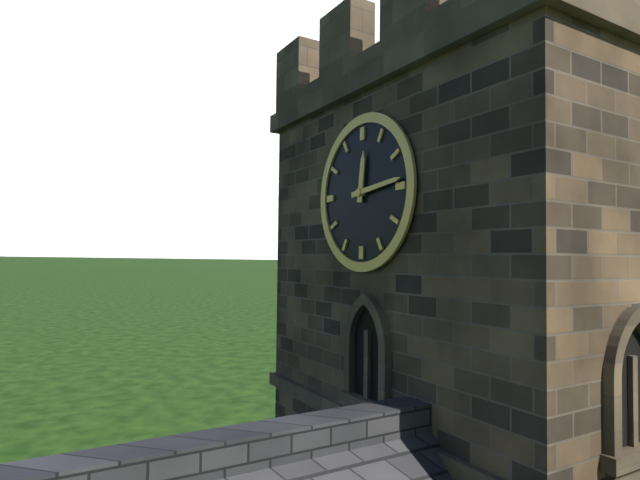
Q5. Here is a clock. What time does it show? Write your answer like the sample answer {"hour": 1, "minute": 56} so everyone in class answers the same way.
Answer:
{"hour": 12, "minute": 14}
